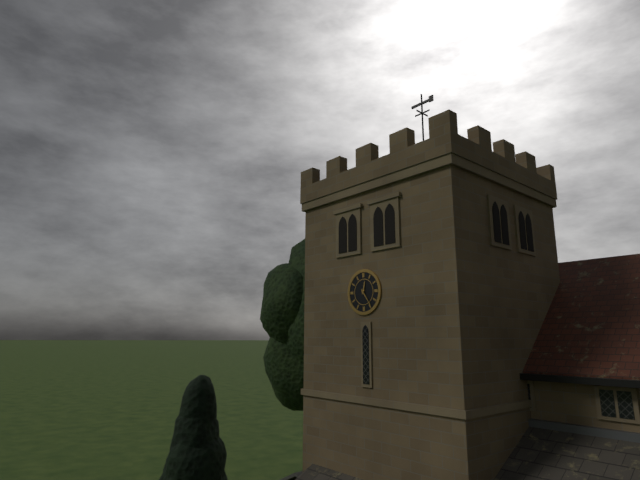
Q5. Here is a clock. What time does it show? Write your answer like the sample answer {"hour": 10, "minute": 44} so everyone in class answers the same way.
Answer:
{"hour": 12, "minute": 24}
